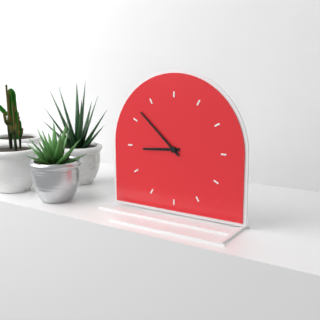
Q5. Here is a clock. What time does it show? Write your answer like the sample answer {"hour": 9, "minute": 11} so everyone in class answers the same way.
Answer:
{"hour": 8, "minute": 52}
